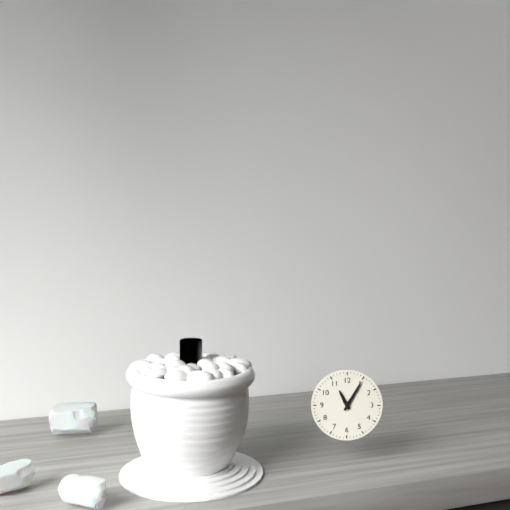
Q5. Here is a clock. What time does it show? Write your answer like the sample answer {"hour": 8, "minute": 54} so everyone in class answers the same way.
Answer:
{"hour": 11, "minute": 5}
